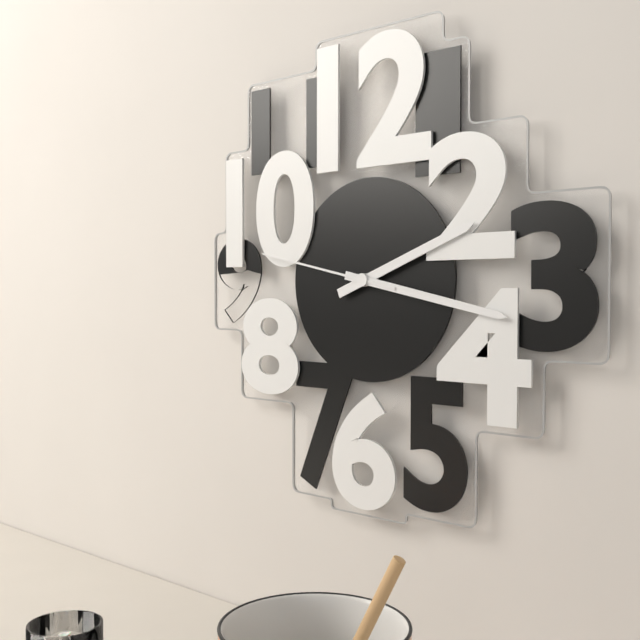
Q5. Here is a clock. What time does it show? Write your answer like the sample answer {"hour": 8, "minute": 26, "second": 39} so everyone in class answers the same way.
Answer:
{"hour": 2, "minute": 17, "second": 47}
